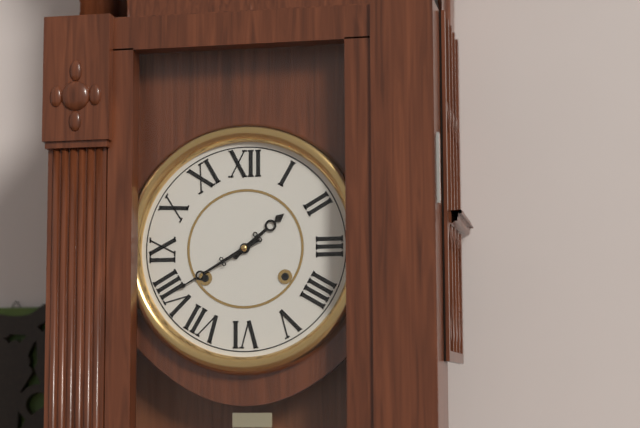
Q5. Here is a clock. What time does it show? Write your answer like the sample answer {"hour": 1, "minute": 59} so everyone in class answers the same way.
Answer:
{"hour": 1, "minute": 40}
